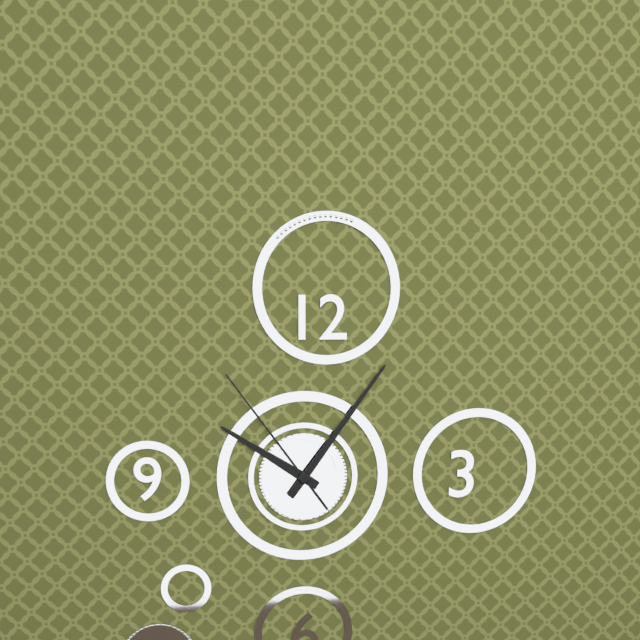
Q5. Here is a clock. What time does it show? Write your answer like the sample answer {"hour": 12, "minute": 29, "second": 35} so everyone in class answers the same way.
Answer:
{"hour": 10, "minute": 6, "second": 54}
